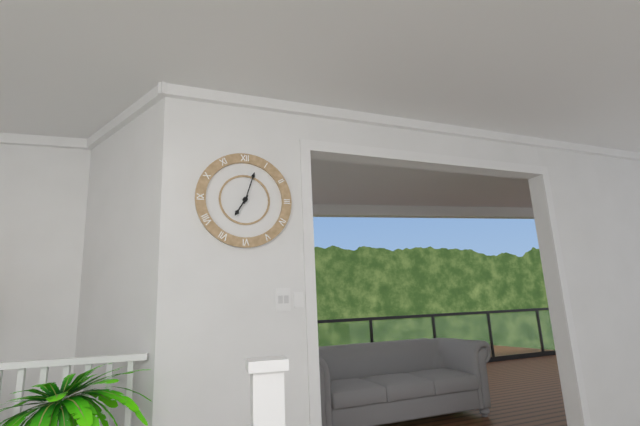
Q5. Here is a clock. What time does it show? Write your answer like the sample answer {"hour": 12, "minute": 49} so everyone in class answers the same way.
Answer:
{"hour": 7, "minute": 3}
